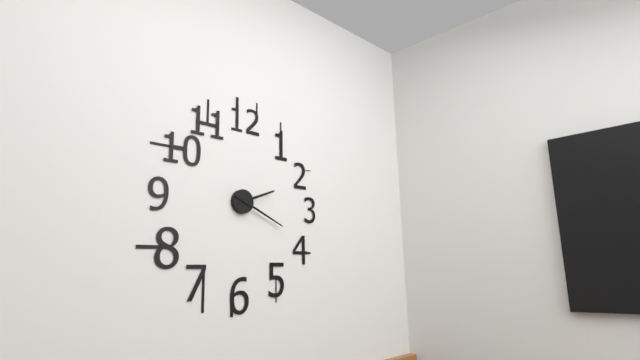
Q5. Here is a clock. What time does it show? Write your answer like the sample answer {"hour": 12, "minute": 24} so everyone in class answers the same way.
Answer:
{"hour": 2, "minute": 19}
